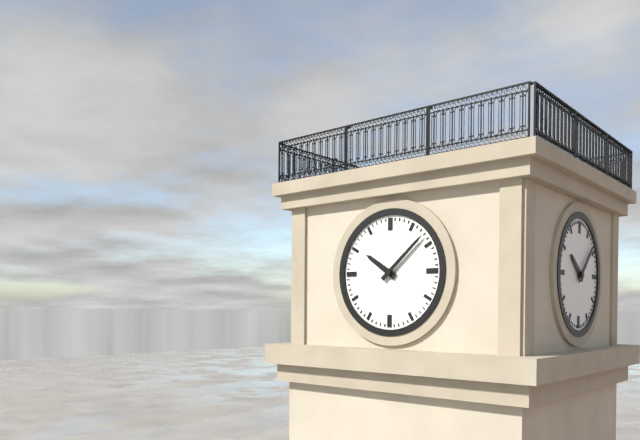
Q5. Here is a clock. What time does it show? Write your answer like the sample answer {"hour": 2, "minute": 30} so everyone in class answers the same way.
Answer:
{"hour": 10, "minute": 8}
